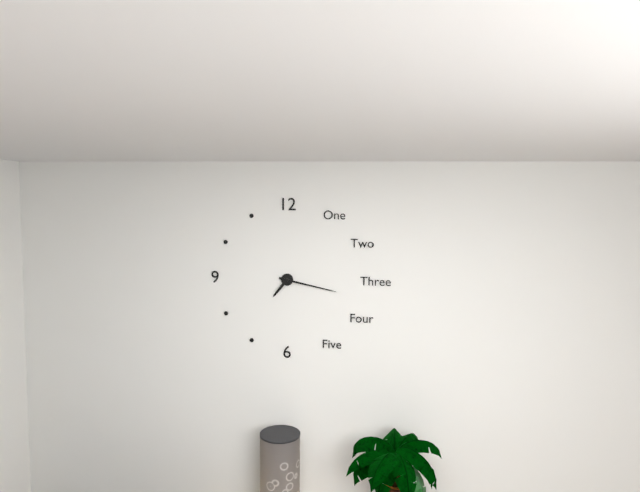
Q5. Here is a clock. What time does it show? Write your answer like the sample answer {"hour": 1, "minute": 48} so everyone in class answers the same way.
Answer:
{"hour": 7, "minute": 17}
